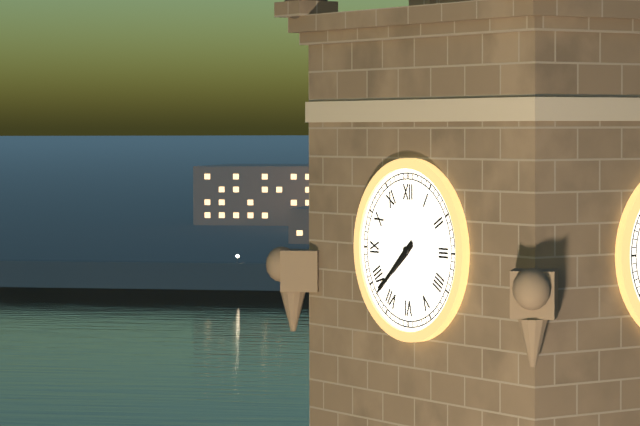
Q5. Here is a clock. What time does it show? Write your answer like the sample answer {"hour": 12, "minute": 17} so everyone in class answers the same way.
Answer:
{"hour": 7, "minute": 38}
